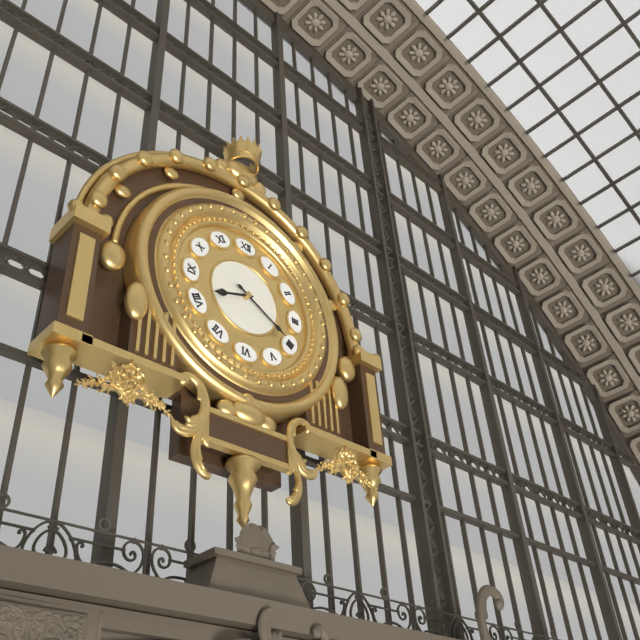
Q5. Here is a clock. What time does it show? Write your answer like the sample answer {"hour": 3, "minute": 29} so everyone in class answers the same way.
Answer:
{"hour": 8, "minute": 20}
